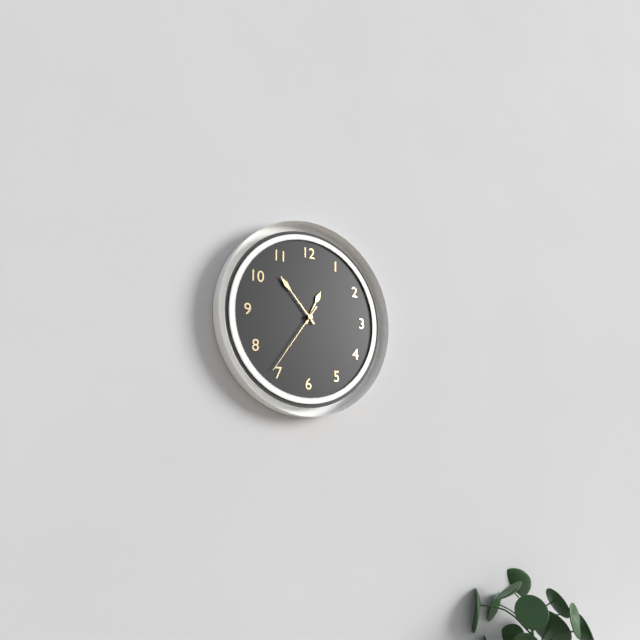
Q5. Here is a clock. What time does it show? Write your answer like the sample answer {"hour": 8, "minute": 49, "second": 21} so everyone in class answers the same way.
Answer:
{"hour": 12, "minute": 53, "second": 36}
